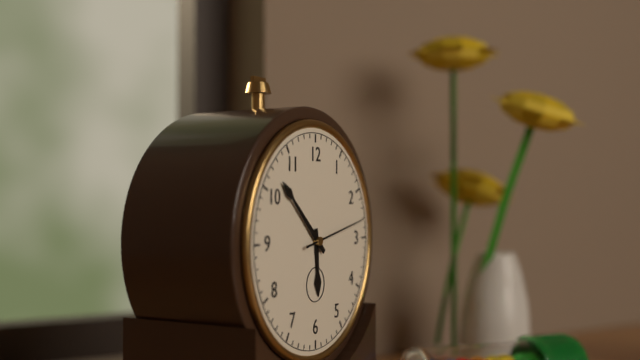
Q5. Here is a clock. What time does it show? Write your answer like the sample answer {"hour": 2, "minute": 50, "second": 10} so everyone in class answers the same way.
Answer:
{"hour": 5, "minute": 52, "second": 13}
